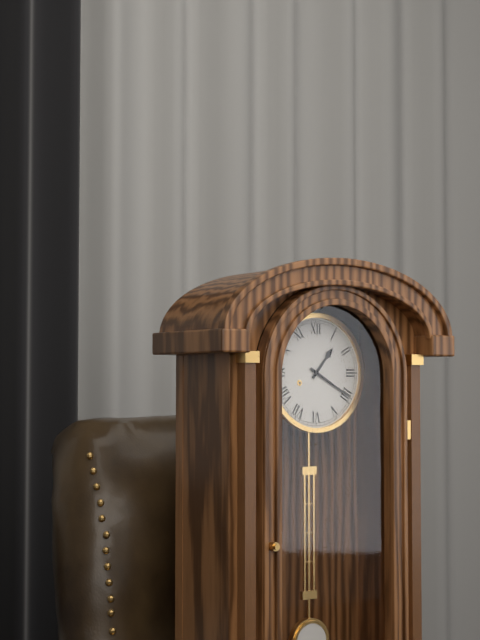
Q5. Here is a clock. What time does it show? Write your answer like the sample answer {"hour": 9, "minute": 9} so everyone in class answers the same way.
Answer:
{"hour": 1, "minute": 20}
